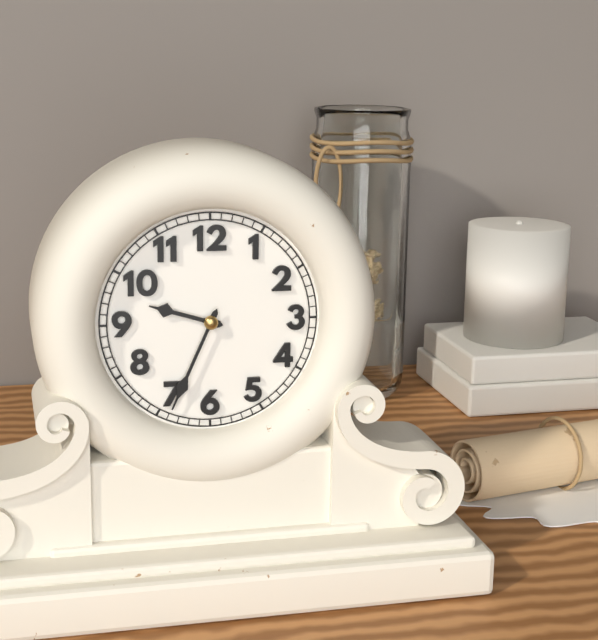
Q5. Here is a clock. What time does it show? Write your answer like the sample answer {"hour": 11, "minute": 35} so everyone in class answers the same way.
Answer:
{"hour": 9, "minute": 34}
